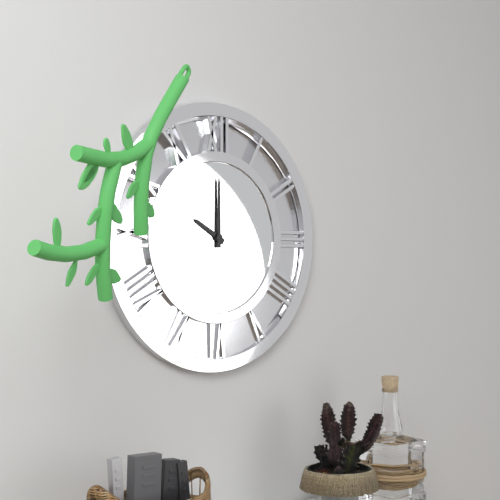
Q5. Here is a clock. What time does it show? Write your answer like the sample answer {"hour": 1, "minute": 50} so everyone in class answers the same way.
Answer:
{"hour": 10, "minute": 0}
